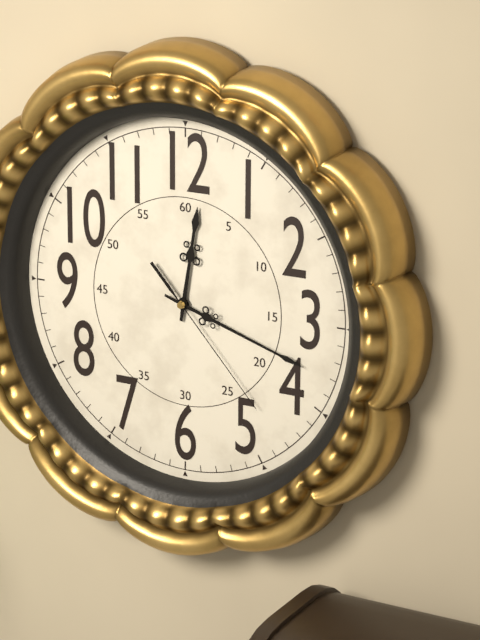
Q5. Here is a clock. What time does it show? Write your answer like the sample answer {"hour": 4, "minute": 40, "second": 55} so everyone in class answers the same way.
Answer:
{"hour": 12, "minute": 18, "second": 23}
